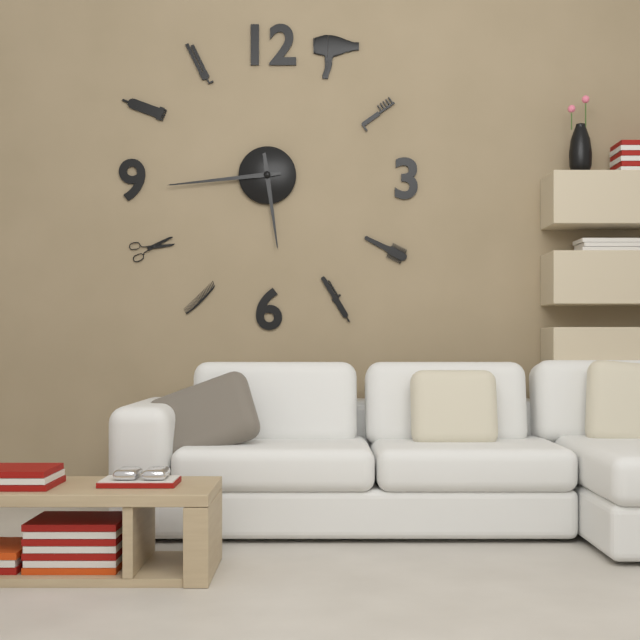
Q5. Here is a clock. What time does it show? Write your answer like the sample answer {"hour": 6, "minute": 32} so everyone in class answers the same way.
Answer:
{"hour": 5, "minute": 44}
